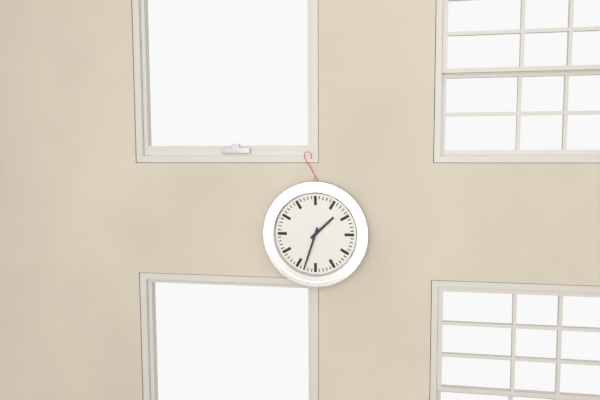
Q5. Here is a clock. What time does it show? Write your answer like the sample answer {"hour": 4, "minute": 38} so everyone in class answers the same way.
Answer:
{"hour": 1, "minute": 33}
